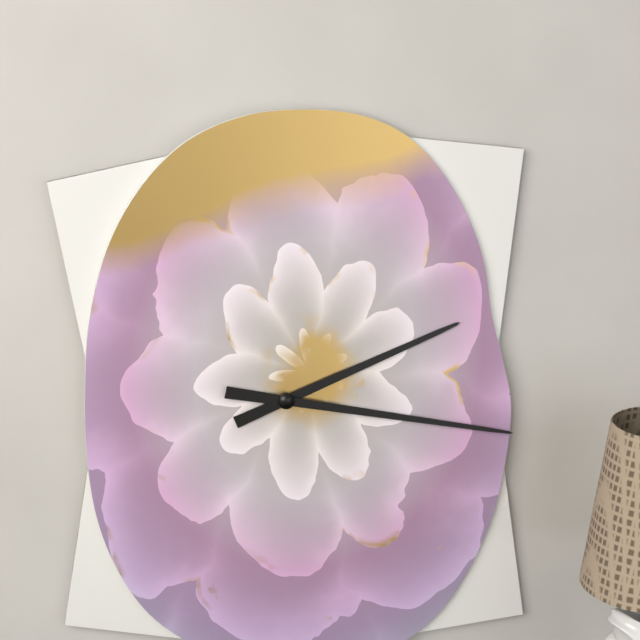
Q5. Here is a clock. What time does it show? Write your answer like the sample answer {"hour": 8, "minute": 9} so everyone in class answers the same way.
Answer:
{"hour": 2, "minute": 17}
